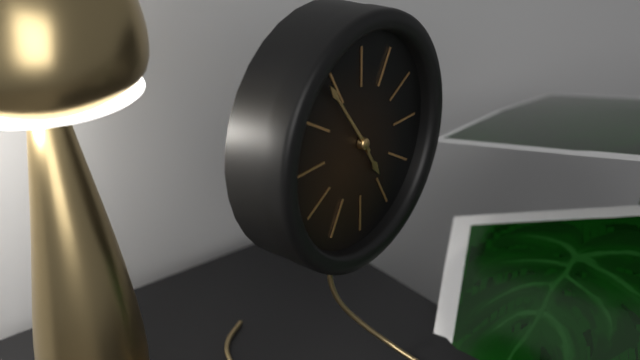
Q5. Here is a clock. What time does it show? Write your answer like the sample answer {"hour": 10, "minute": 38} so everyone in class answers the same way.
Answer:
{"hour": 4, "minute": 54}
